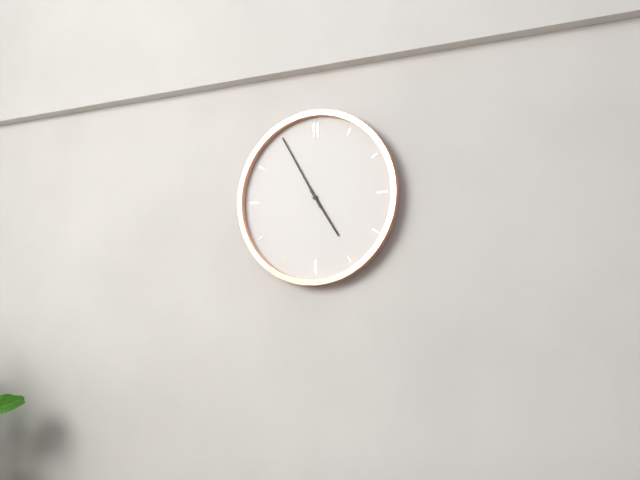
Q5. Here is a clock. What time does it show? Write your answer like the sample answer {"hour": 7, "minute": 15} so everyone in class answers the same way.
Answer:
{"hour": 4, "minute": 55}
